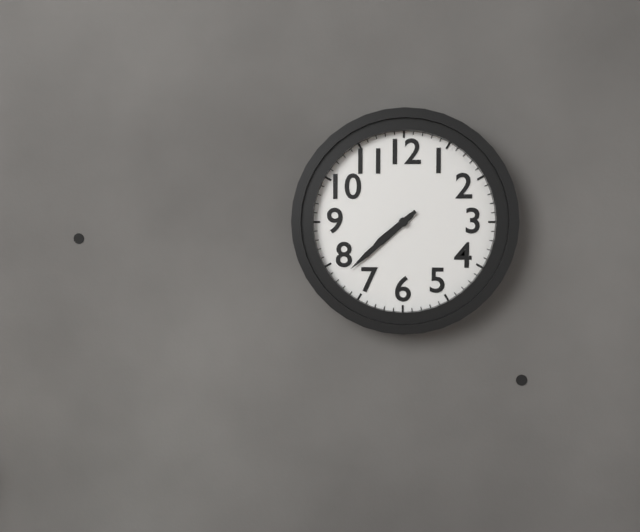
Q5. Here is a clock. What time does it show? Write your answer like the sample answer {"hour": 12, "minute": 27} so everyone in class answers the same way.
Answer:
{"hour": 7, "minute": 38}
